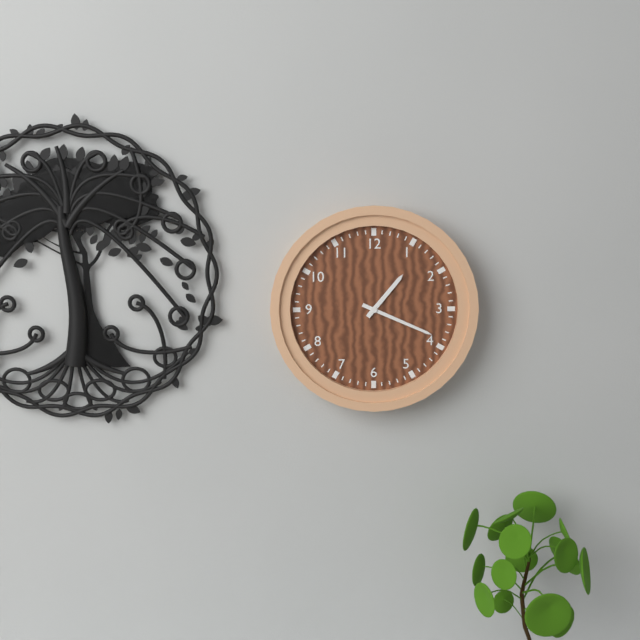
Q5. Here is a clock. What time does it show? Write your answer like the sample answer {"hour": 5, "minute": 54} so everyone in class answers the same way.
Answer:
{"hour": 1, "minute": 19}
